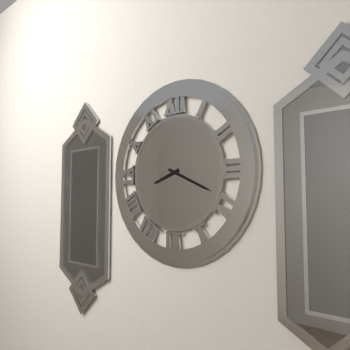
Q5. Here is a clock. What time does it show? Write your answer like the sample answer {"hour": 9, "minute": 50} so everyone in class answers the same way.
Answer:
{"hour": 8, "minute": 19}
